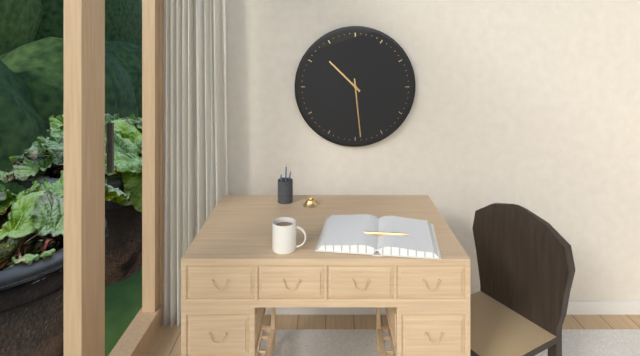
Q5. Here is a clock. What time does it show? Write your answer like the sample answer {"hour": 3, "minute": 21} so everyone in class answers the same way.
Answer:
{"hour": 10, "minute": 29}
